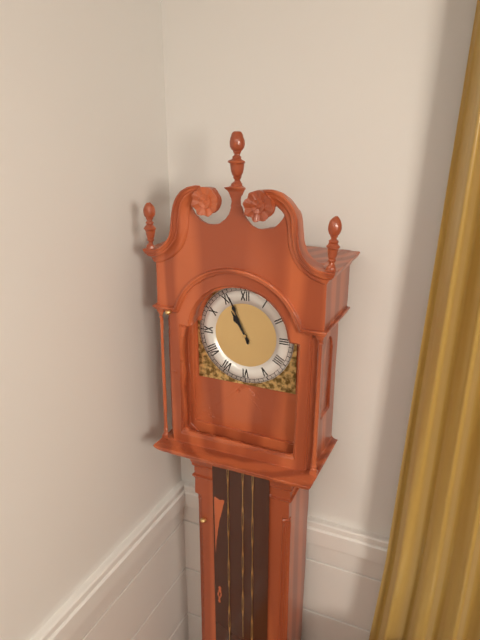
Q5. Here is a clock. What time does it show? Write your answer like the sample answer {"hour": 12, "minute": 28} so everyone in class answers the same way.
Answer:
{"hour": 10, "minute": 56}
